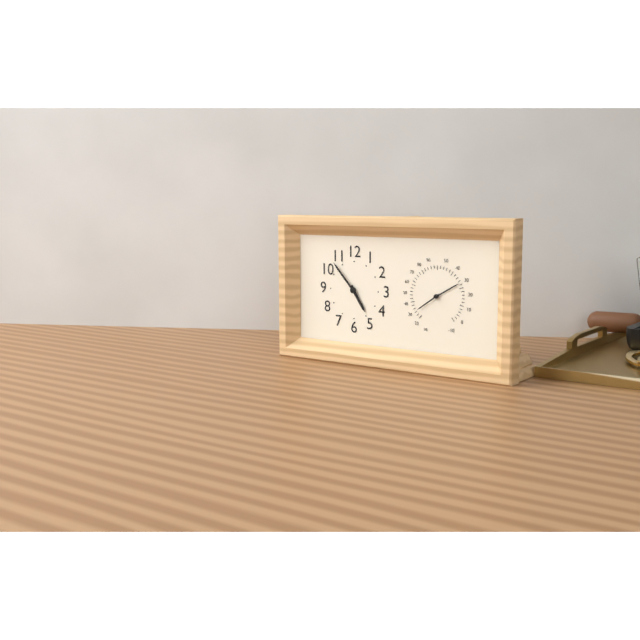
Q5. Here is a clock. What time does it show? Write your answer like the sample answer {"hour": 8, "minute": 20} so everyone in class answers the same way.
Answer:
{"hour": 4, "minute": 53}
